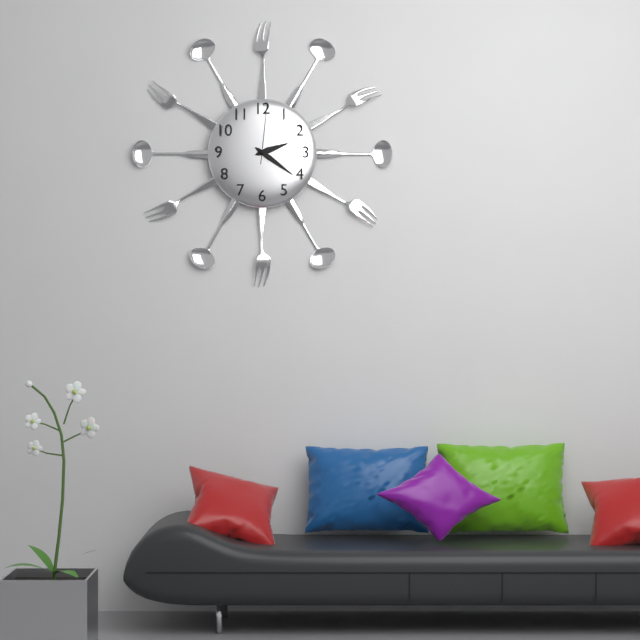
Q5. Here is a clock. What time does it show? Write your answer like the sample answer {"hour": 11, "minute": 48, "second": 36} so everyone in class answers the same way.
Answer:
{"hour": 2, "minute": 21, "second": 1}
